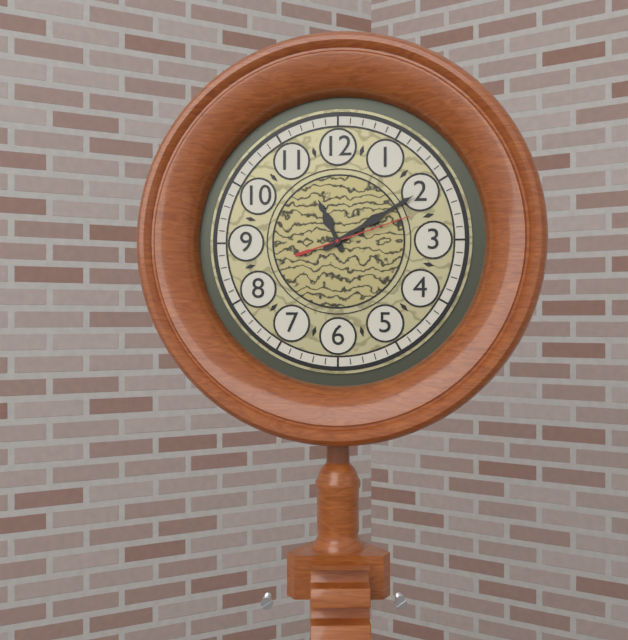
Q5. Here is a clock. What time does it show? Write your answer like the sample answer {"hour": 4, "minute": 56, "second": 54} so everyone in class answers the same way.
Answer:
{"hour": 11, "minute": 10, "second": 12}
